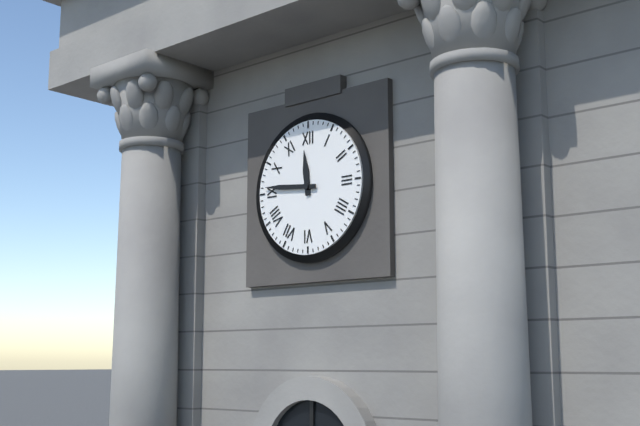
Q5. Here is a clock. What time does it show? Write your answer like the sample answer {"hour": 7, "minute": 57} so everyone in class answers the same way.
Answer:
{"hour": 11, "minute": 46}
